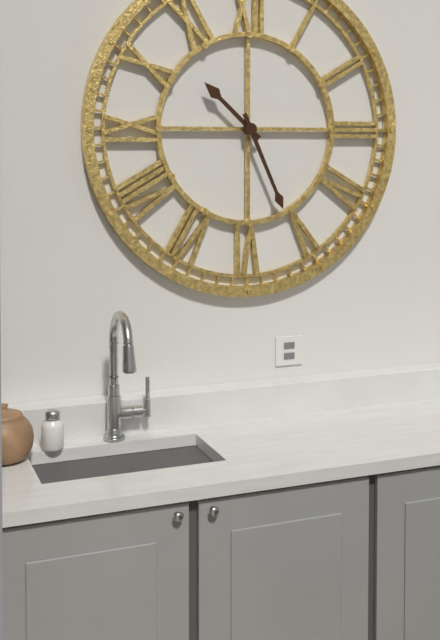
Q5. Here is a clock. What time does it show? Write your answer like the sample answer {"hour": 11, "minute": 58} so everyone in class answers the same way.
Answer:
{"hour": 10, "minute": 26}
